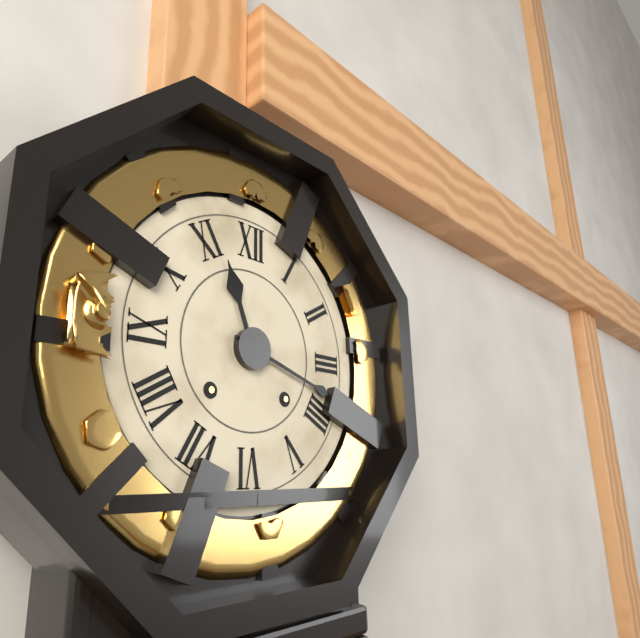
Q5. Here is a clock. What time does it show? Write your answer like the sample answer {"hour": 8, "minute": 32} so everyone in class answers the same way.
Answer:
{"hour": 11, "minute": 18}
